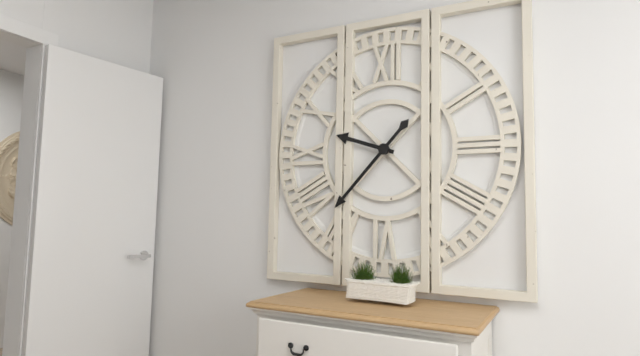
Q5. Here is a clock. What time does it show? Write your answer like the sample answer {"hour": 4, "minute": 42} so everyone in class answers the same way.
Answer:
{"hour": 9, "minute": 37}
